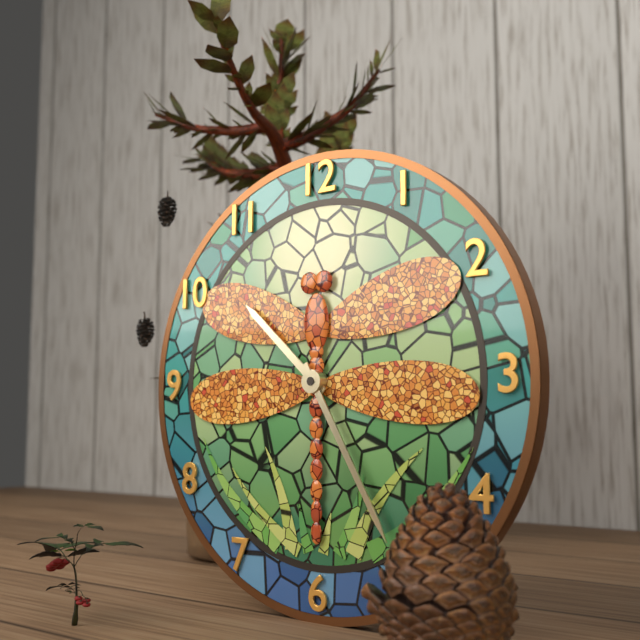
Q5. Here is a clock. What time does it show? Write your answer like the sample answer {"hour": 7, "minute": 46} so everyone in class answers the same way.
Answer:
{"hour": 10, "minute": 25}
